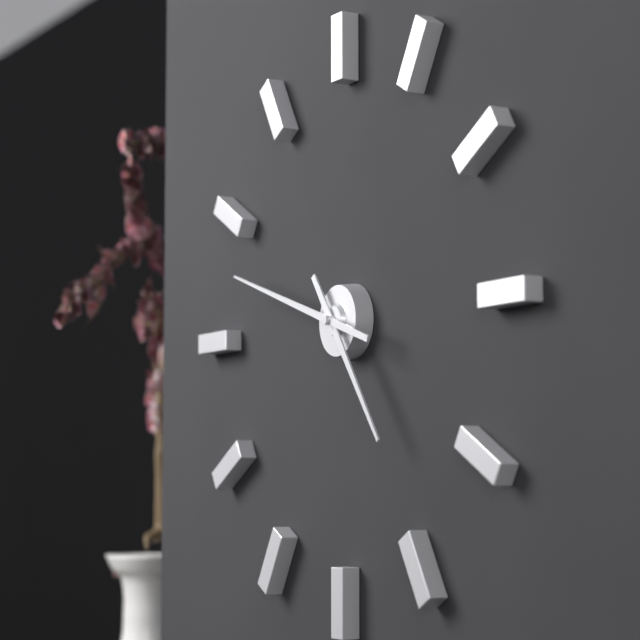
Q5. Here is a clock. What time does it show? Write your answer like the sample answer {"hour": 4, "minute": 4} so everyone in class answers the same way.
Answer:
{"hour": 4, "minute": 48}
